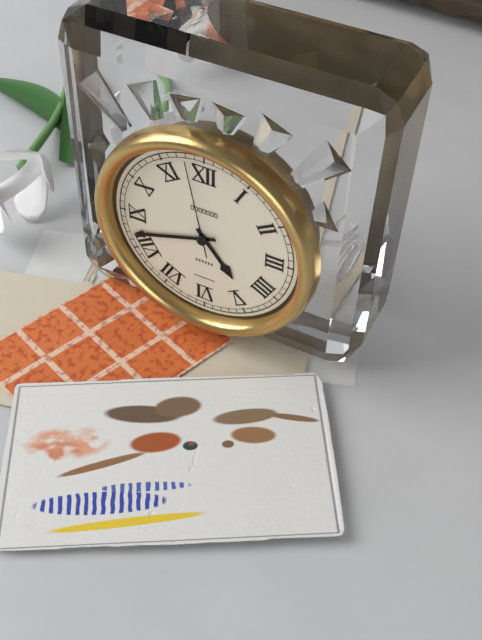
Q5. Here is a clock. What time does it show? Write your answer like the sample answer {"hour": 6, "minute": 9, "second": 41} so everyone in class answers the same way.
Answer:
{"hour": 4, "minute": 42, "second": 58}
